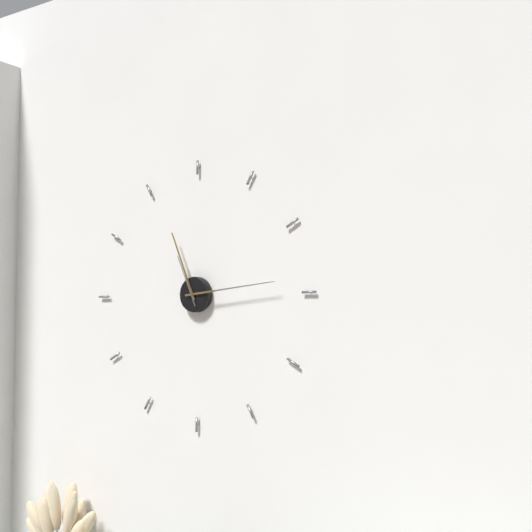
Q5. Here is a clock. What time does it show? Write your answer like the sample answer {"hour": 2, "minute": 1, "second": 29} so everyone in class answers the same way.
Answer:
{"hour": 11, "minute": 14, "second": 56}
